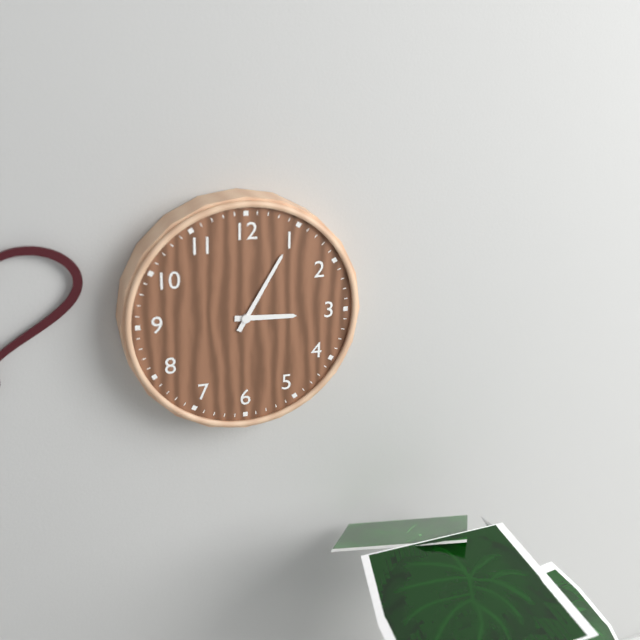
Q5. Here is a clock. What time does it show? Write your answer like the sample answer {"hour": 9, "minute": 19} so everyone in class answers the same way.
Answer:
{"hour": 3, "minute": 5}
